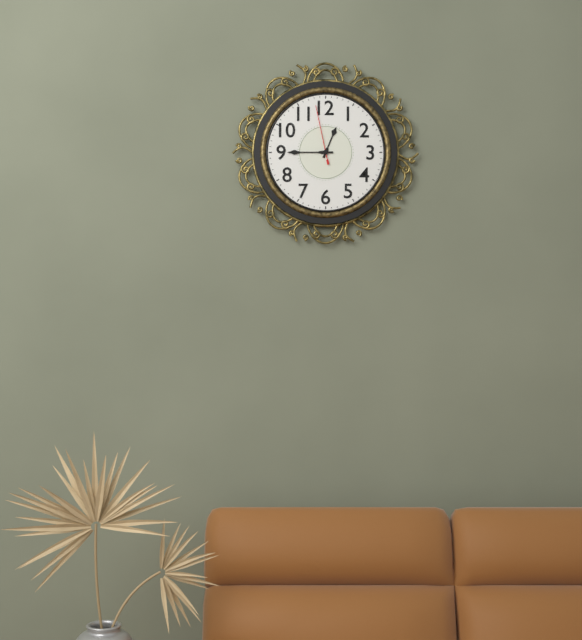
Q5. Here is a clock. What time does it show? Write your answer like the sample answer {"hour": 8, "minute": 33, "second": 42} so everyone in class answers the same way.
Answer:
{"hour": 12, "minute": 45, "second": 58}
